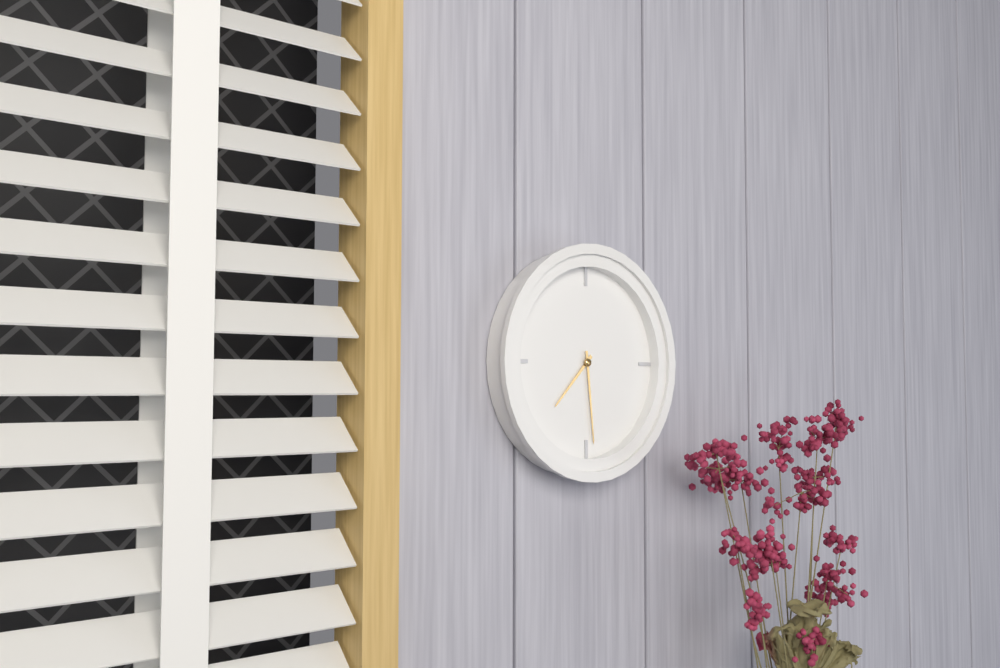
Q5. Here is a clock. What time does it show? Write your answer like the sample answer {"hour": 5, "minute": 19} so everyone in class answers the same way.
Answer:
{"hour": 7, "minute": 29}
